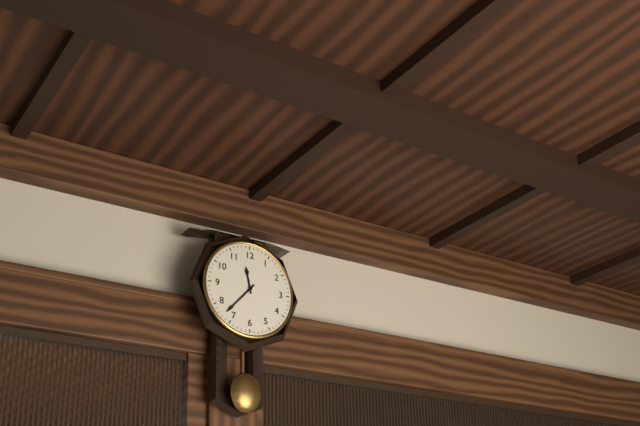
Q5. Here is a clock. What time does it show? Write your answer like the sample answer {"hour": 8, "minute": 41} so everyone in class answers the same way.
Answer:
{"hour": 11, "minute": 37}
